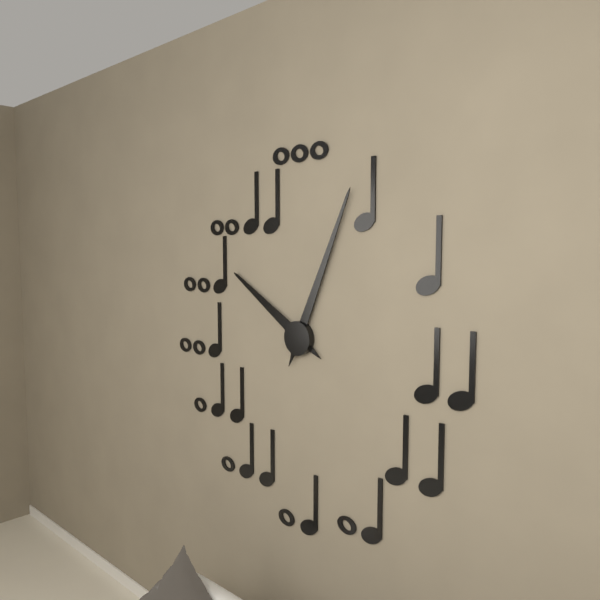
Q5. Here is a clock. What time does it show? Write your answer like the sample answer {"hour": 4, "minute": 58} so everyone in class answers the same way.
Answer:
{"hour": 10, "minute": 4}
